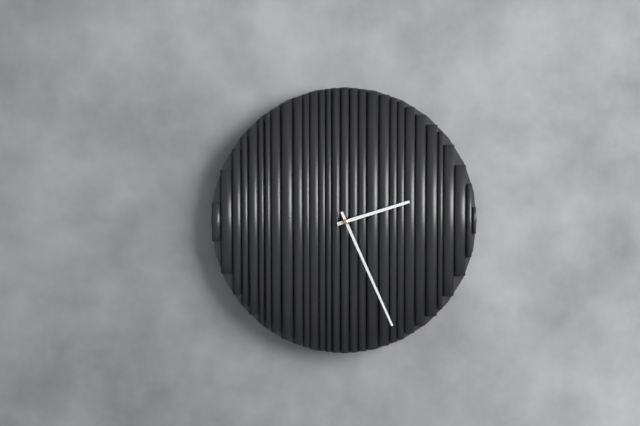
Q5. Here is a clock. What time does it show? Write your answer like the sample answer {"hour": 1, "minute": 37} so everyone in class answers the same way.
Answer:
{"hour": 2, "minute": 26}
